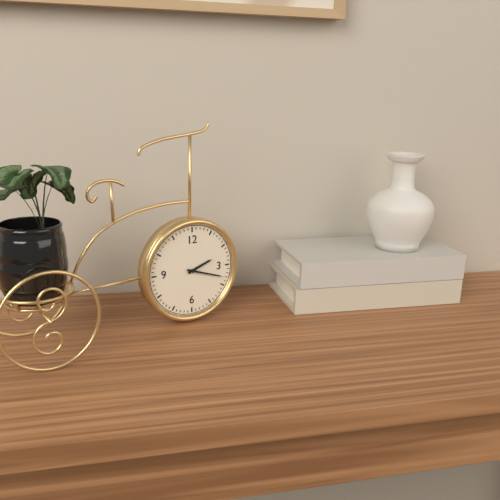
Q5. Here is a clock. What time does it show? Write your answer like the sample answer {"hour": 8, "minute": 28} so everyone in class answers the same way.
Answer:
{"hour": 2, "minute": 18}
